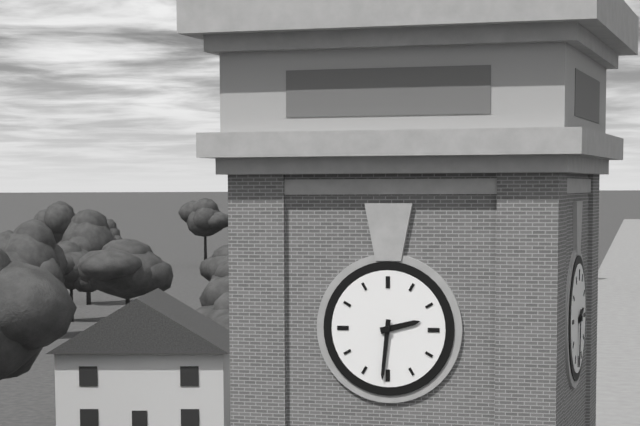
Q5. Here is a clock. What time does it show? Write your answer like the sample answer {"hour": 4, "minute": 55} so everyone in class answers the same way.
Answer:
{"hour": 2, "minute": 31}
